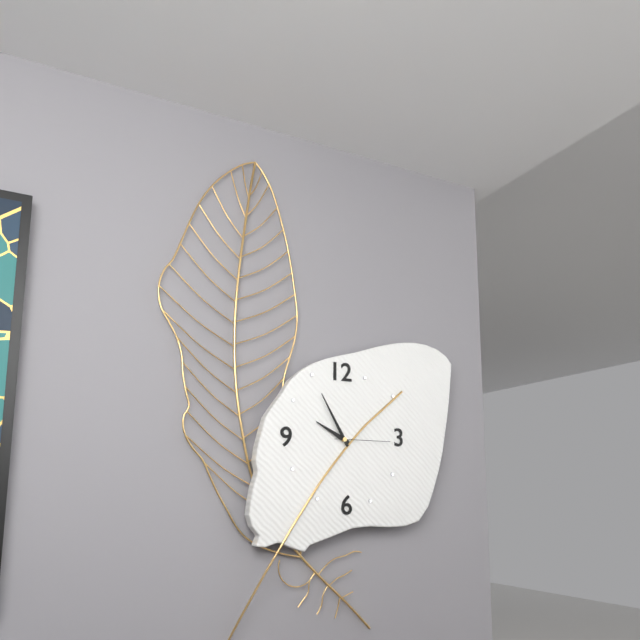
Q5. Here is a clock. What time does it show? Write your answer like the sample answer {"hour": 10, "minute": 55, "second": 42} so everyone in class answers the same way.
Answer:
{"hour": 9, "minute": 55, "second": 15}
